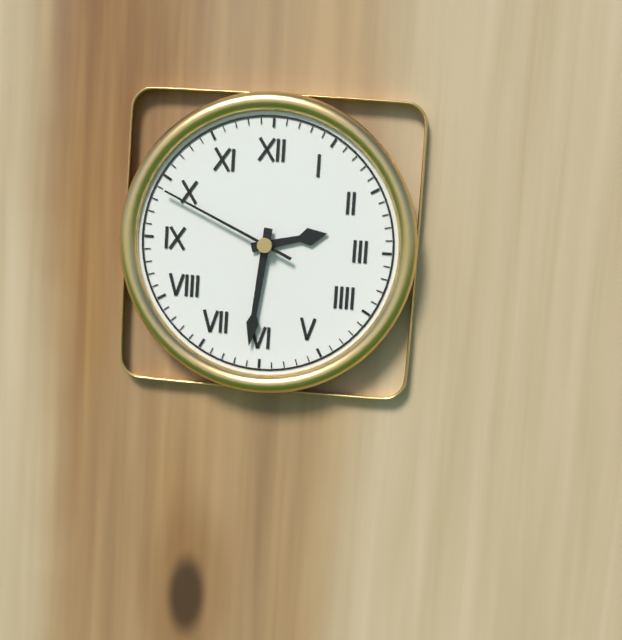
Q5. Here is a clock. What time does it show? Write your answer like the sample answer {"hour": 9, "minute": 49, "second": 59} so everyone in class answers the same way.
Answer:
{"hour": 2, "minute": 31, "second": 49}
